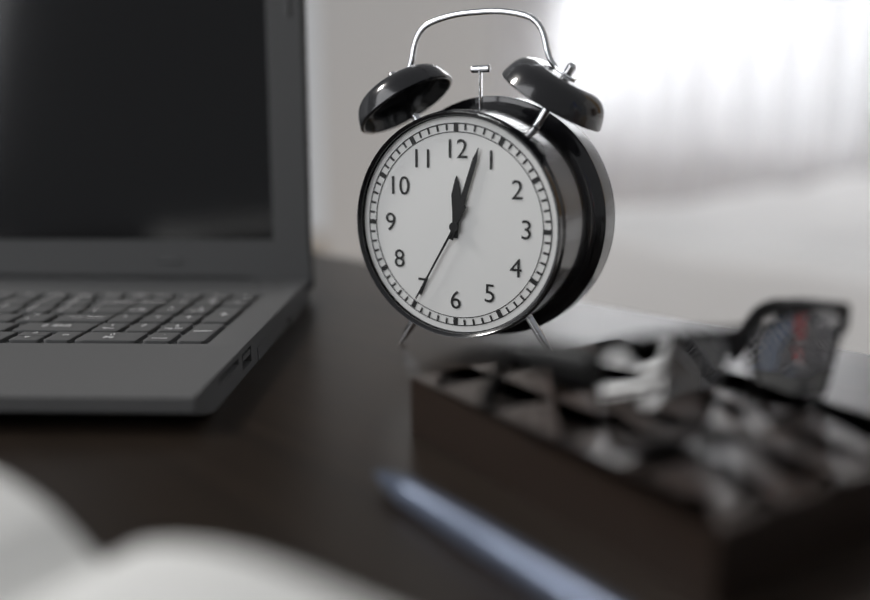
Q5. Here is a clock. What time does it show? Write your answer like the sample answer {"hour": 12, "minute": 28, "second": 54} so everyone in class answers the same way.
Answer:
{"hour": 12, "minute": 3, "second": 35}
